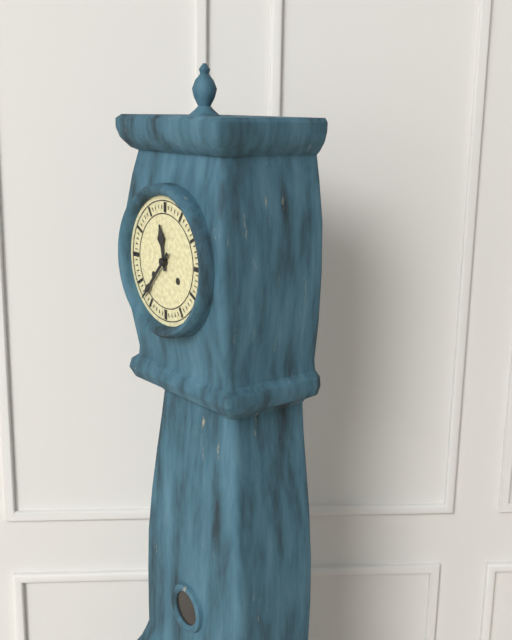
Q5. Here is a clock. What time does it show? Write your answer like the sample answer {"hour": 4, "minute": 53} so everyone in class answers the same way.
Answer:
{"hour": 11, "minute": 37}
